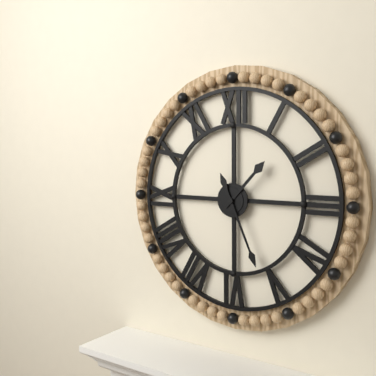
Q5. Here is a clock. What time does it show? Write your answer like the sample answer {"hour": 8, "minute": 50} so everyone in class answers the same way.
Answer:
{"hour": 1, "minute": 26}
